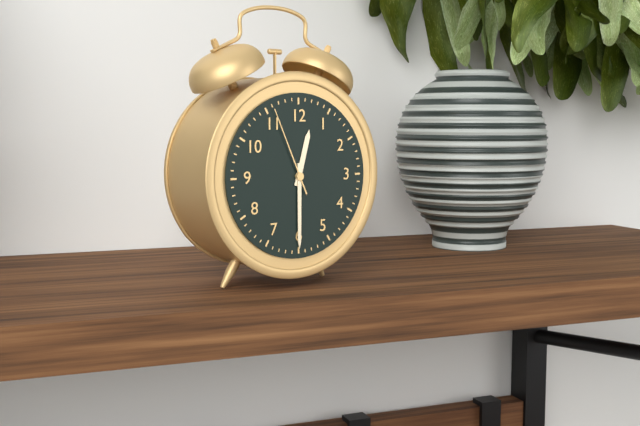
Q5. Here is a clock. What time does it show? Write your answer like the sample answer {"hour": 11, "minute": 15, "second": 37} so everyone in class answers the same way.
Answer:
{"hour": 12, "minute": 30, "second": 56}
